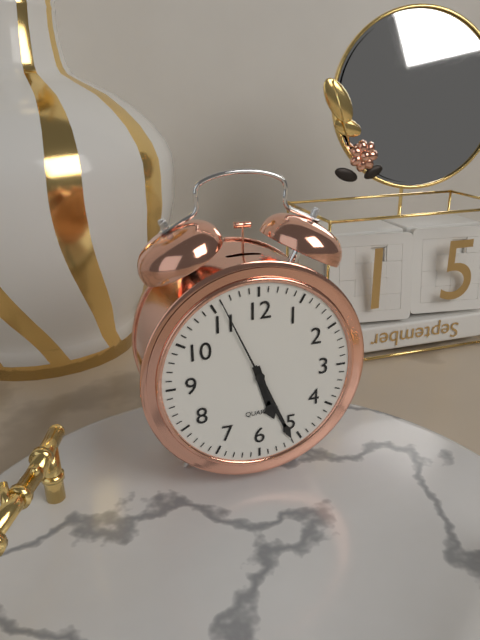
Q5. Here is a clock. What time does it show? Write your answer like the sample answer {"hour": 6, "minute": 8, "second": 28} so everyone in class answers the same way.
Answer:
{"hour": 5, "minute": 26, "second": 56}
